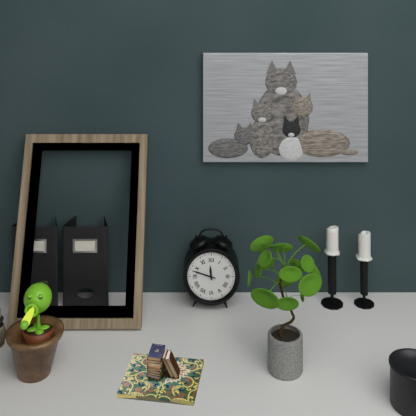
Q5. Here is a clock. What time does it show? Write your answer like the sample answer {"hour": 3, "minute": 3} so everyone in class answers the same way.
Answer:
{"hour": 11, "minute": 48}
